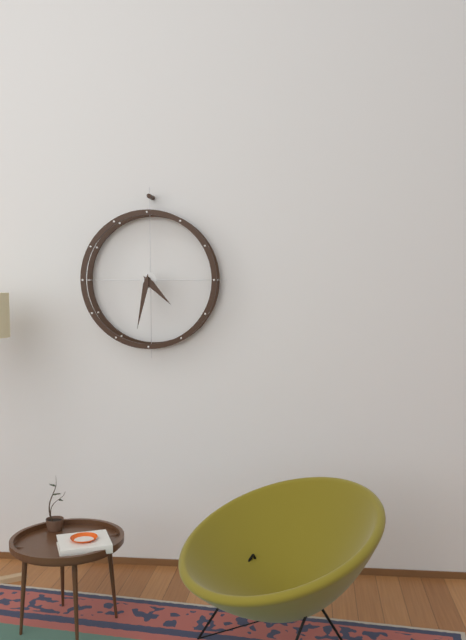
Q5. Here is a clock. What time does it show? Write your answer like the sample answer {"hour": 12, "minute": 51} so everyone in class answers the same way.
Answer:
{"hour": 4, "minute": 32}
